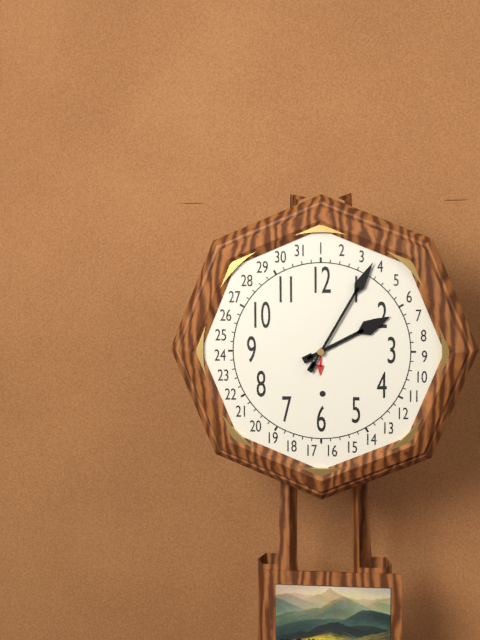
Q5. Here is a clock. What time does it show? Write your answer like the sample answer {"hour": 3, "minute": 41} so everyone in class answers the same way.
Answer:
{"hour": 2, "minute": 5}
